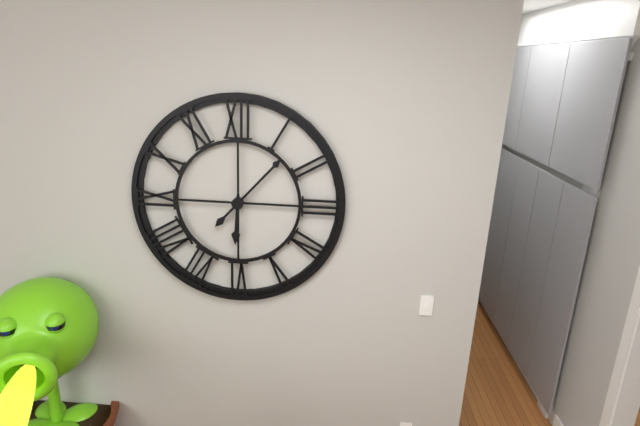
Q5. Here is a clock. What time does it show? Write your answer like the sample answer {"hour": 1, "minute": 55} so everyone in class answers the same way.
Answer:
{"hour": 6, "minute": 7}
